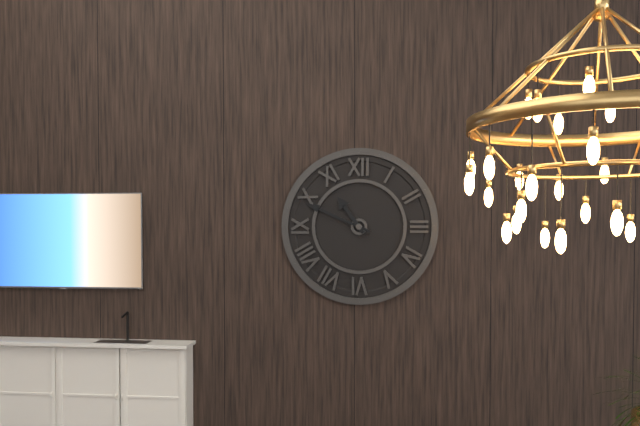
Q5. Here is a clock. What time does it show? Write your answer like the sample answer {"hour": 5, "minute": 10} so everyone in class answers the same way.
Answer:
{"hour": 10, "minute": 49}
